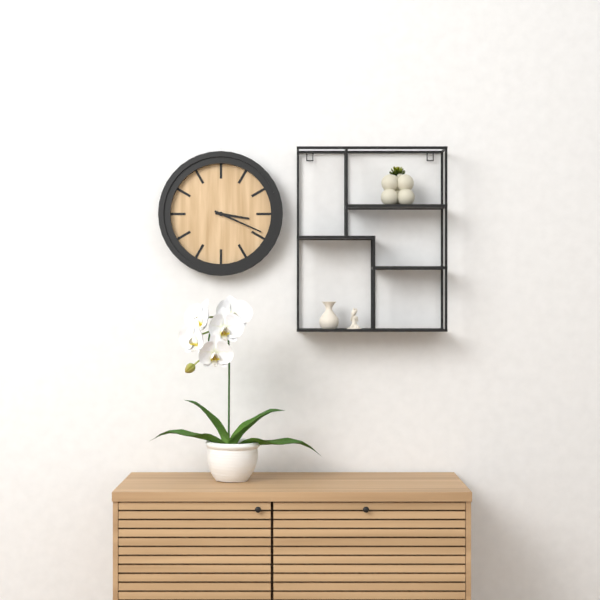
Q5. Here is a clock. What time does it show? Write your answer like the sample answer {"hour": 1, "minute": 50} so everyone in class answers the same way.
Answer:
{"hour": 3, "minute": 19}
